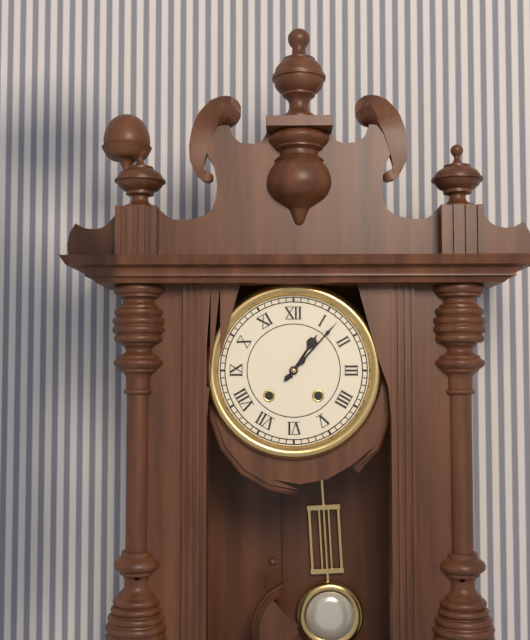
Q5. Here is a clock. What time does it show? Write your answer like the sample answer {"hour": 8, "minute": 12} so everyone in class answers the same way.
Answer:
{"hour": 1, "minute": 7}
